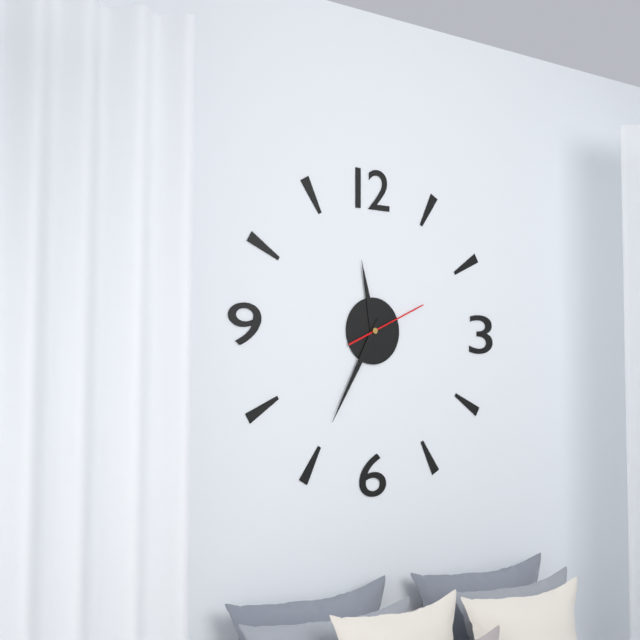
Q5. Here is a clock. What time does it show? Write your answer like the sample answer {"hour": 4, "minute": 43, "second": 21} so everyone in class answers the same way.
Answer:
{"hour": 11, "minute": 35, "second": 11}
